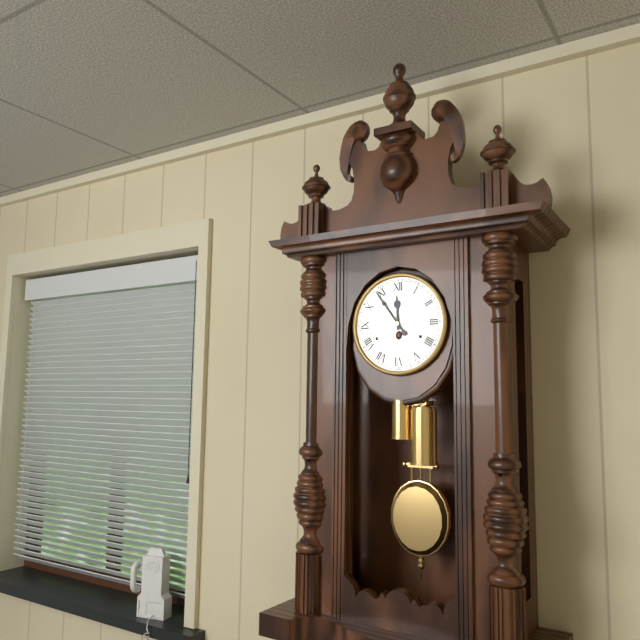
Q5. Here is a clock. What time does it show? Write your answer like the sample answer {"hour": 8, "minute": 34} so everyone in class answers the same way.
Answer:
{"hour": 11, "minute": 54}
